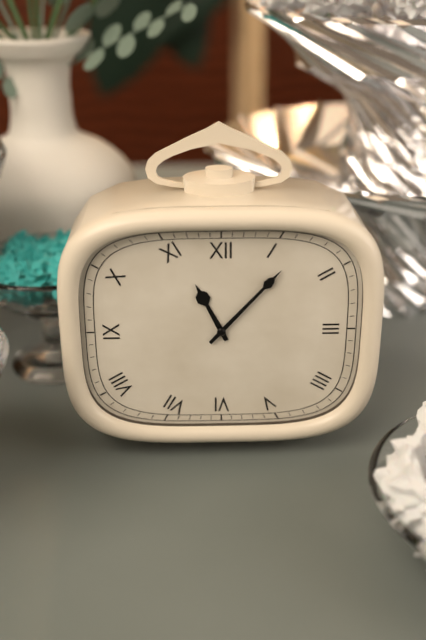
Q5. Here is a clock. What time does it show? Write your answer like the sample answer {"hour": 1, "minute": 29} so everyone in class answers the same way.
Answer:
{"hour": 11, "minute": 7}
